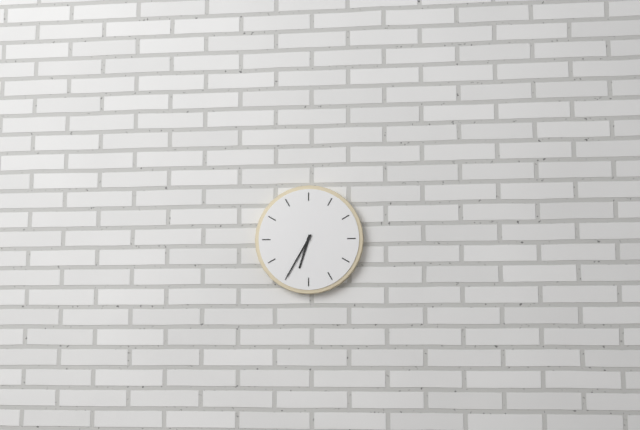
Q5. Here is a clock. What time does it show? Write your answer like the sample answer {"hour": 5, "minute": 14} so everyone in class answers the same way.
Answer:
{"hour": 6, "minute": 35}
